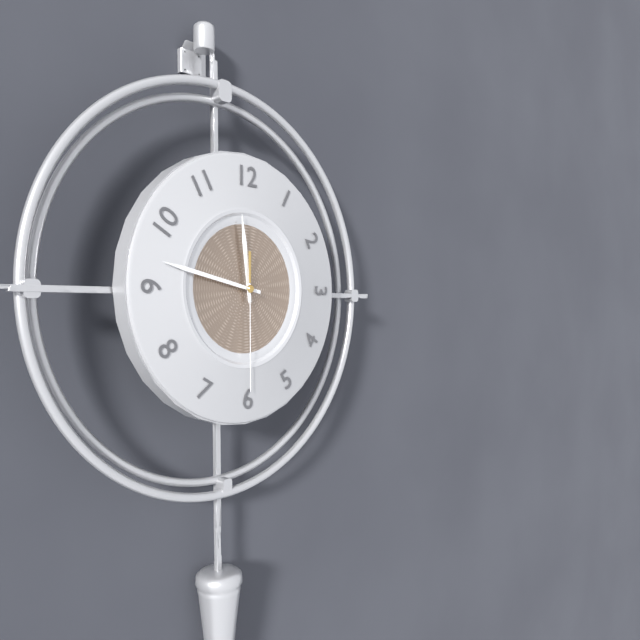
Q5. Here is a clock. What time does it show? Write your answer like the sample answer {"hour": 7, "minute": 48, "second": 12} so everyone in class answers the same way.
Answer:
{"hour": 11, "minute": 47, "second": 30}
